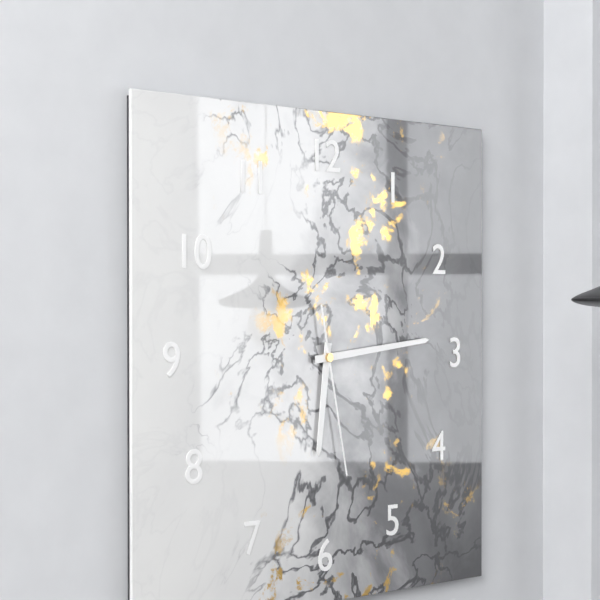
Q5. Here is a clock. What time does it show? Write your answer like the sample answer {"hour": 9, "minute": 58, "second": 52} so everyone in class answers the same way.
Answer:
{"hour": 6, "minute": 14, "second": 28}
